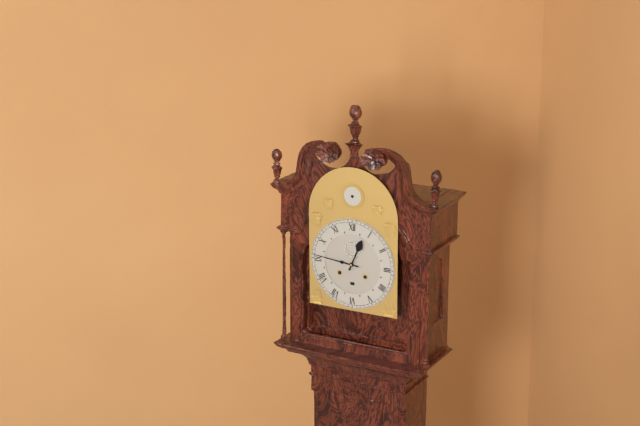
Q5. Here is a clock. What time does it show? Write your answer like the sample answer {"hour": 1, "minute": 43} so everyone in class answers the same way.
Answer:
{"hour": 12, "minute": 46}
